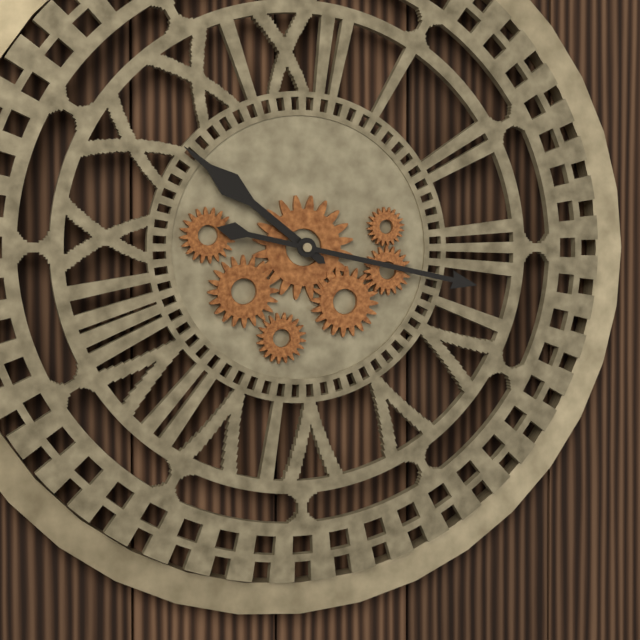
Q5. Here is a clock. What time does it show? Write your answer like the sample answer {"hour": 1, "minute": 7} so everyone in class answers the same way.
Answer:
{"hour": 10, "minute": 17}
